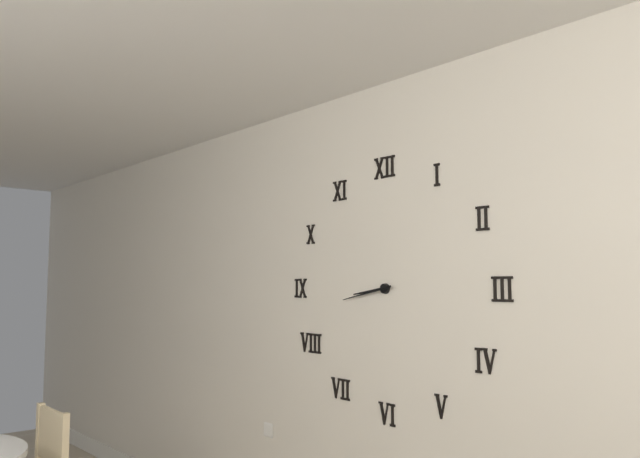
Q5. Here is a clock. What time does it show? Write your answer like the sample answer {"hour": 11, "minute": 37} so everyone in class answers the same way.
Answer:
{"hour": 8, "minute": 43}
